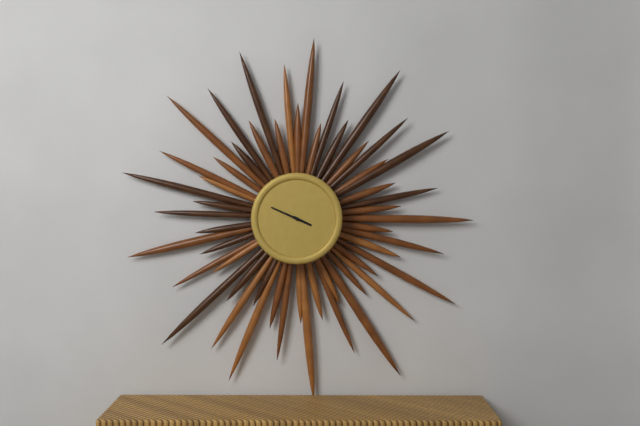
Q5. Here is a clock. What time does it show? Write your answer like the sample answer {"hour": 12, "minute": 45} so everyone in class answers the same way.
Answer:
{"hour": 3, "minute": 49}
